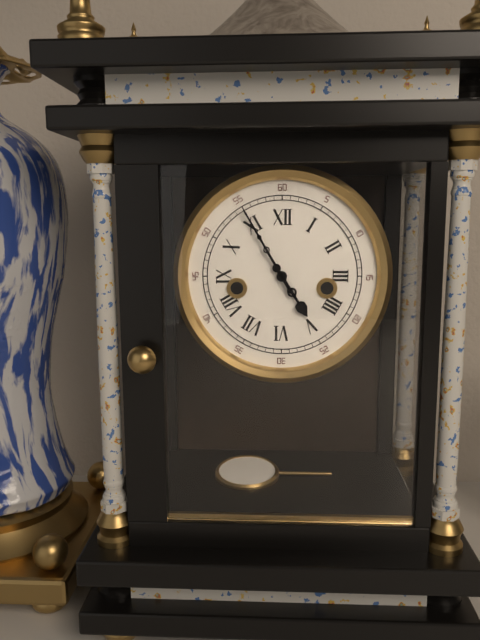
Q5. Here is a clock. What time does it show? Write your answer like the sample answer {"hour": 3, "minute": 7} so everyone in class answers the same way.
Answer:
{"hour": 4, "minute": 55}
